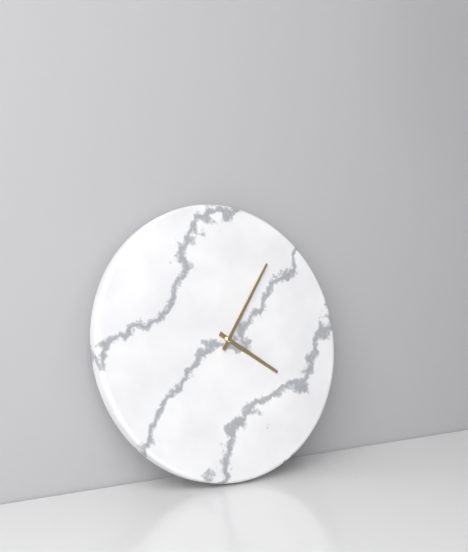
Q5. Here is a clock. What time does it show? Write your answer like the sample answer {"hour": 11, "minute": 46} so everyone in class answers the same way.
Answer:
{"hour": 4, "minute": 6}
